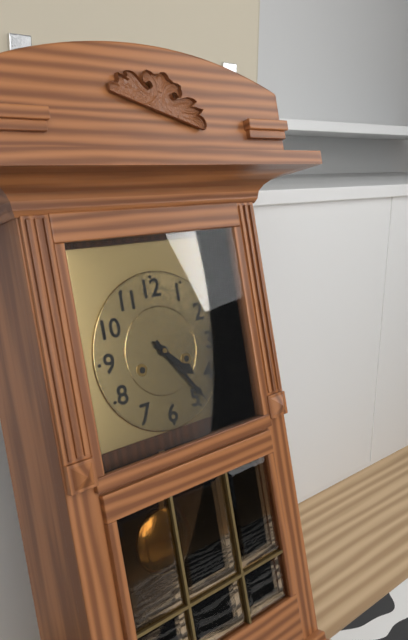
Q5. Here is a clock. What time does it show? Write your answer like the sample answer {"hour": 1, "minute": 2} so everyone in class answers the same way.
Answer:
{"hour": 4, "minute": 24}
